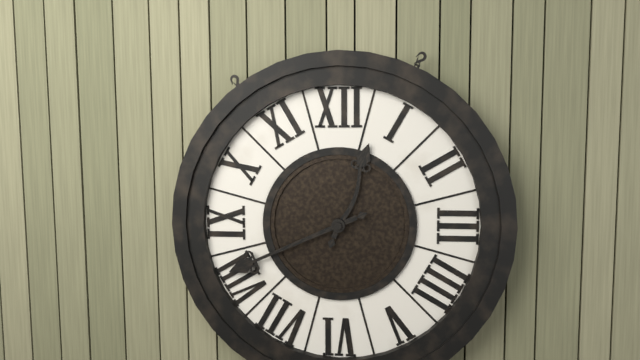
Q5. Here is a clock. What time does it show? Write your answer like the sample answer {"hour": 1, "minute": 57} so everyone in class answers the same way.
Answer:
{"hour": 12, "minute": 41}
